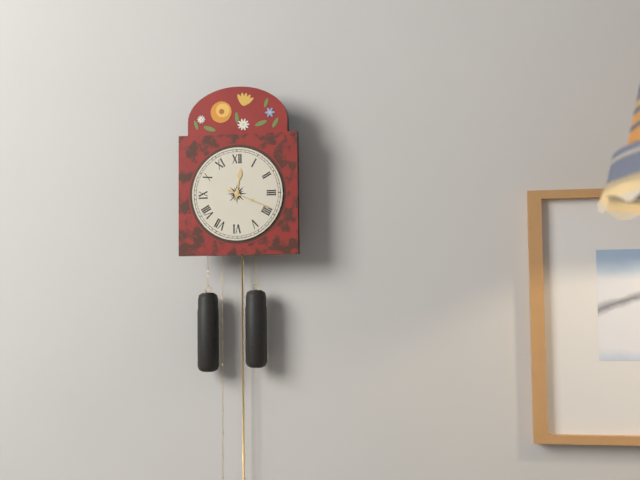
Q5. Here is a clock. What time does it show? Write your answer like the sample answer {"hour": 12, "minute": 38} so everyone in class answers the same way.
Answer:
{"hour": 12, "minute": 19}
